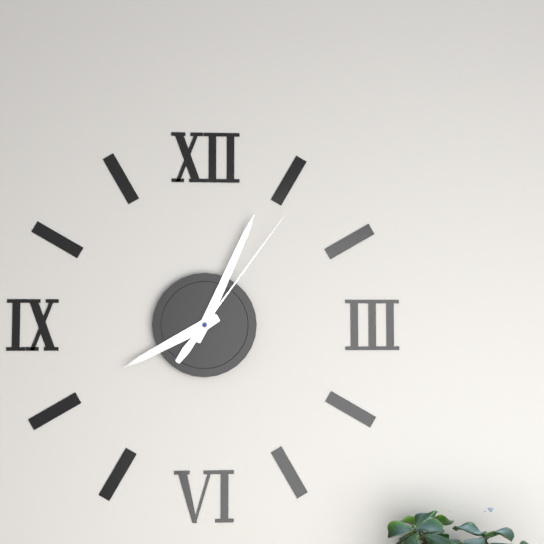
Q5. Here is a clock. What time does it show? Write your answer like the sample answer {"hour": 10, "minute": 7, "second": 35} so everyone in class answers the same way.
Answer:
{"hour": 8, "minute": 4, "second": 6}
